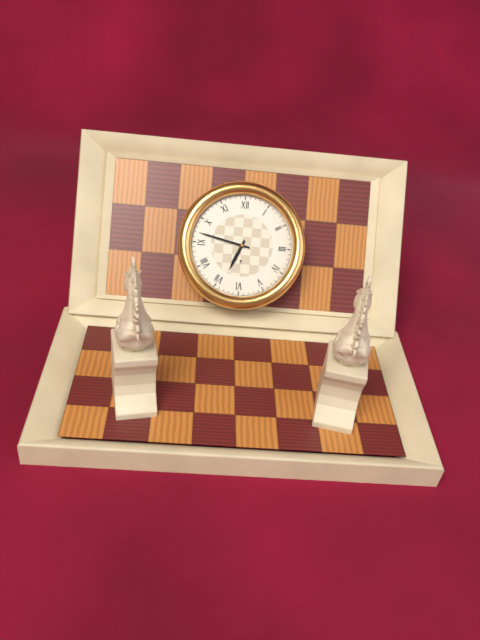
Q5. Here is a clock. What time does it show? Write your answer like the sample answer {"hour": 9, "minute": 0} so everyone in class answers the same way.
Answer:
{"hour": 6, "minute": 47}
